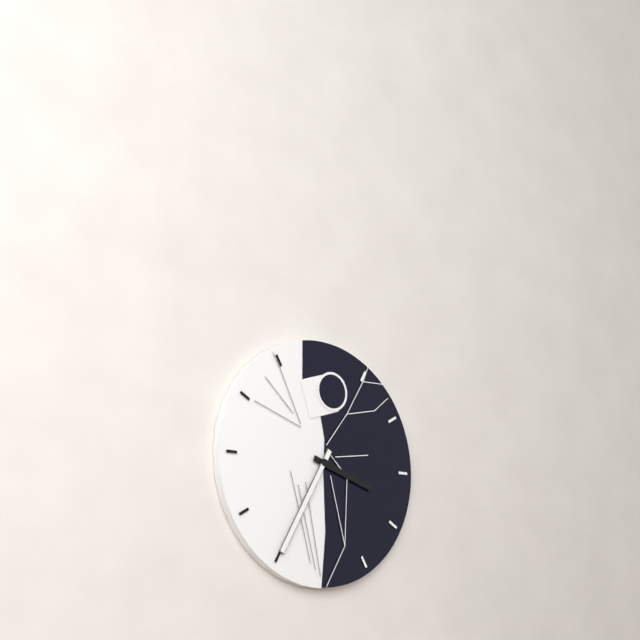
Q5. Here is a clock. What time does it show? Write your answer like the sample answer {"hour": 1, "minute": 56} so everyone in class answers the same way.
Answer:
{"hour": 3, "minute": 35}
